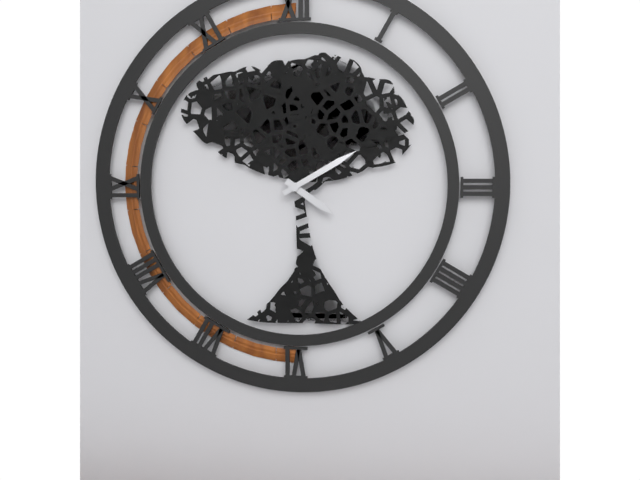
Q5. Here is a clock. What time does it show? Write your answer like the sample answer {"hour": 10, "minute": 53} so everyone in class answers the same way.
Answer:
{"hour": 4, "minute": 10}
